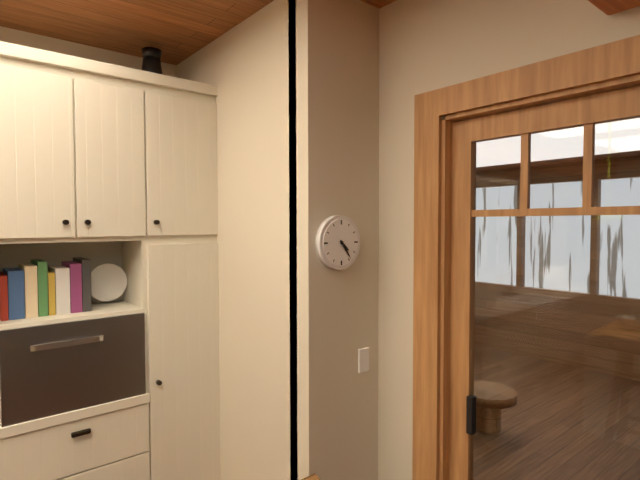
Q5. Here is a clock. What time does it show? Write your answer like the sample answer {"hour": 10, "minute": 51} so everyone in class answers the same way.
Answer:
{"hour": 4, "minute": 24}
